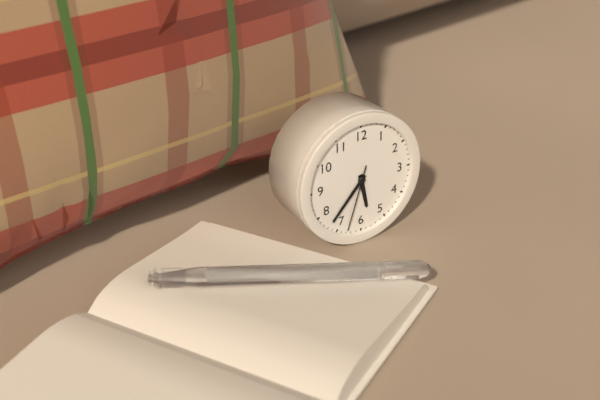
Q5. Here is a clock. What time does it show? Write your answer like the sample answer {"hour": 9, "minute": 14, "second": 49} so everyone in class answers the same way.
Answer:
{"hour": 5, "minute": 37, "second": 33}
